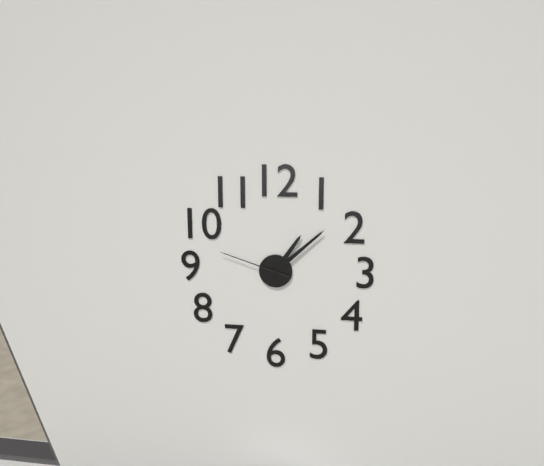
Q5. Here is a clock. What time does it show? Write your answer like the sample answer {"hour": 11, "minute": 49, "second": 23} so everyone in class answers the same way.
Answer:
{"hour": 1, "minute": 8, "second": 48}
